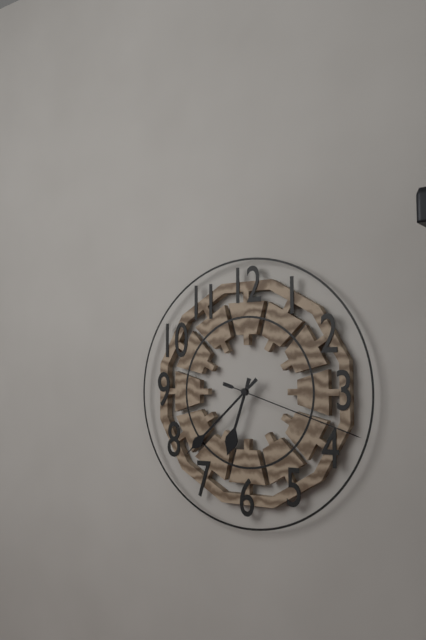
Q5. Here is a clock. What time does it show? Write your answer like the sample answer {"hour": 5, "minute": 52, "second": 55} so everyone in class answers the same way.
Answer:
{"hour": 6, "minute": 38, "second": 18}
